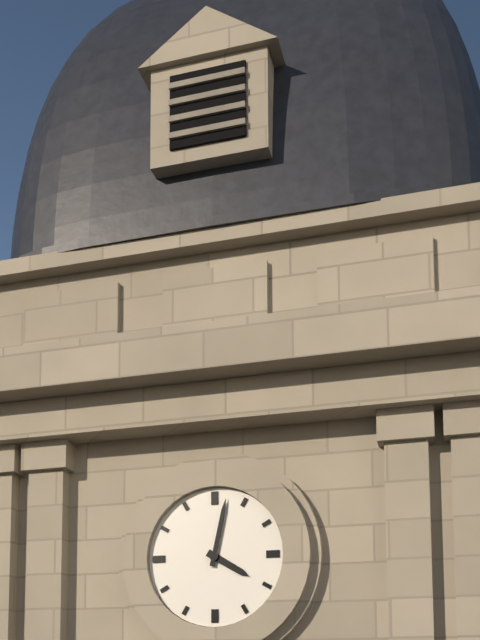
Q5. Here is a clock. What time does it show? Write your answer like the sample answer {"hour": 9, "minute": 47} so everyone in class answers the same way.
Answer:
{"hour": 4, "minute": 2}
